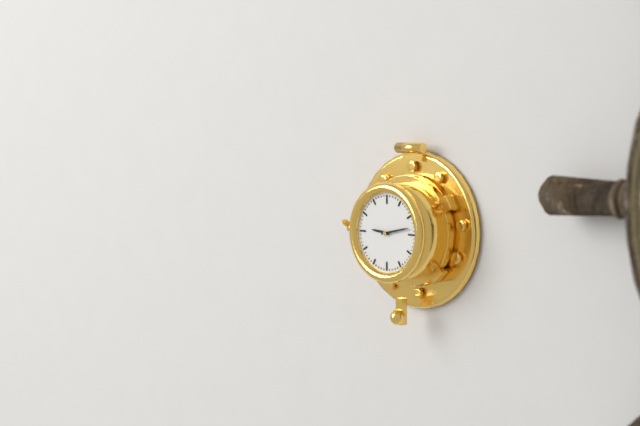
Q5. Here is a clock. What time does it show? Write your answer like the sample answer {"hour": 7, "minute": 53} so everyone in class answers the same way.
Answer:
{"hour": 9, "minute": 13}
